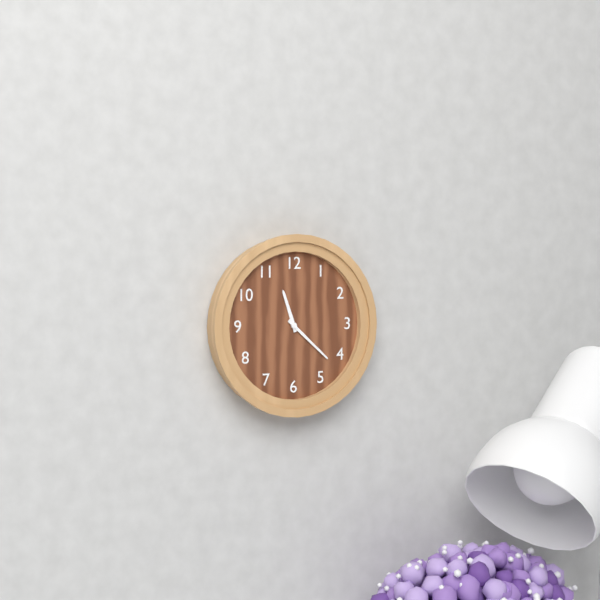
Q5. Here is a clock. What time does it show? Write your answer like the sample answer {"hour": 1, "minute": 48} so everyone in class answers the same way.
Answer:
{"hour": 11, "minute": 22}
